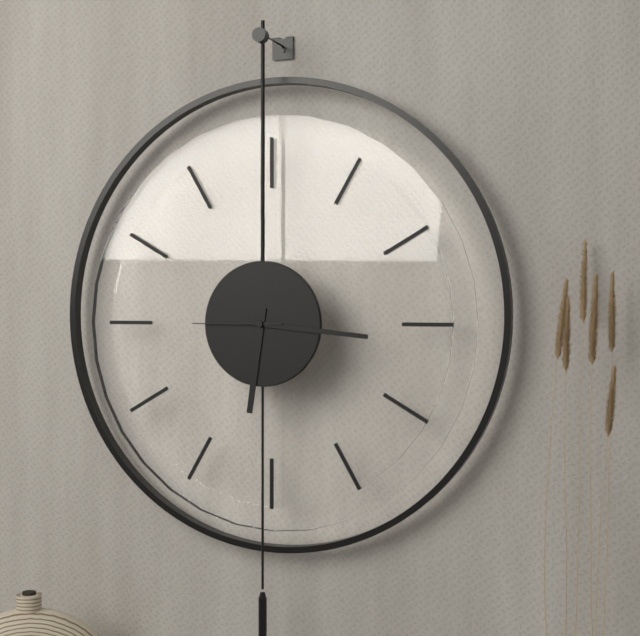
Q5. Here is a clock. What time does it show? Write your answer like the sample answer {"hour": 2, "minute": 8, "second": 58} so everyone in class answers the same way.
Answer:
{"hour": 6, "minute": 16, "second": 45}
